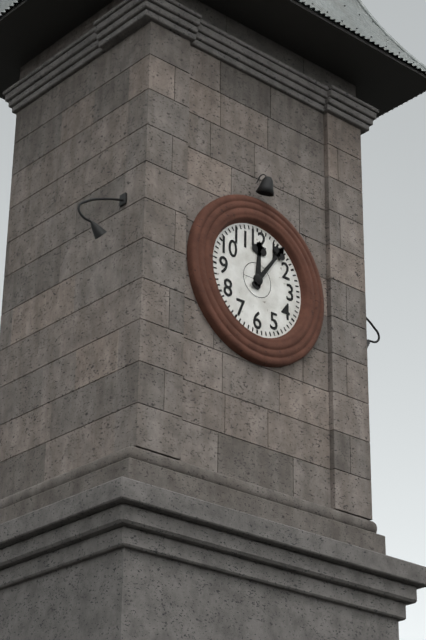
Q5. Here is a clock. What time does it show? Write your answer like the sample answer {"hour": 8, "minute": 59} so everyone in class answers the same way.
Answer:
{"hour": 12, "minute": 6}
